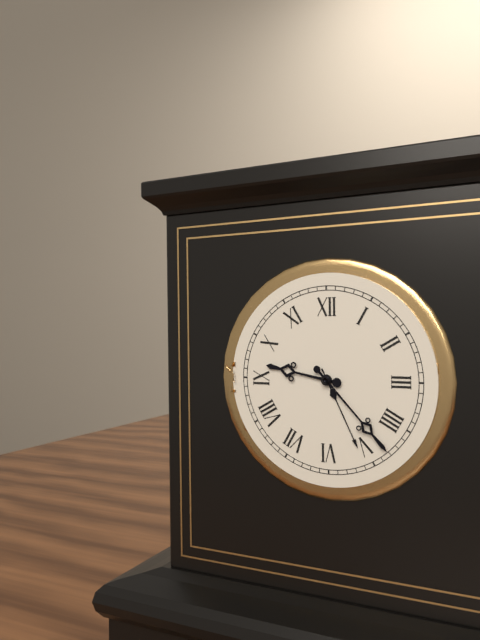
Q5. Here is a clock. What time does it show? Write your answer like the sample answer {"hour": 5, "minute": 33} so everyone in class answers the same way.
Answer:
{"hour": 9, "minute": 23}
